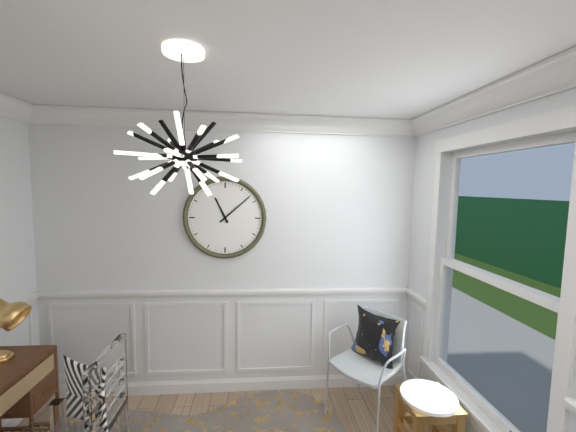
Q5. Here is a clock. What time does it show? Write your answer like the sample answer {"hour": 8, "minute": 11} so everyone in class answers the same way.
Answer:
{"hour": 11, "minute": 8}
